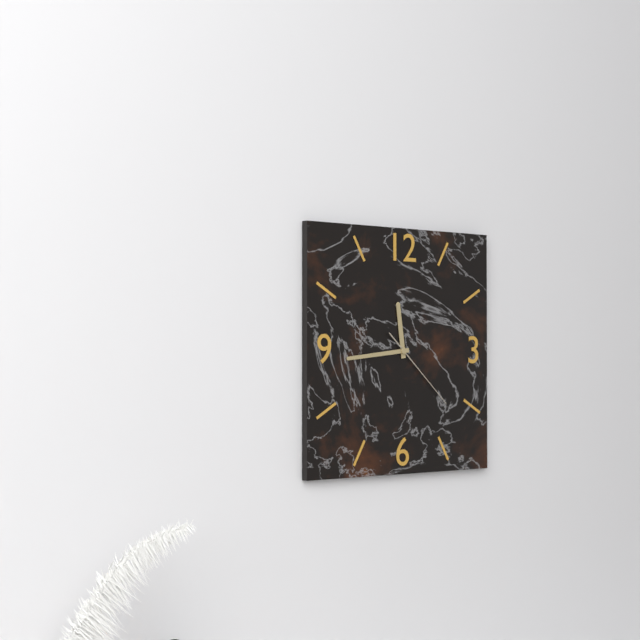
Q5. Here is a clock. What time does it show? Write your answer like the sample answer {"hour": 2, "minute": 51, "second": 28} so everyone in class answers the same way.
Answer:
{"hour": 11, "minute": 44, "second": 22}
